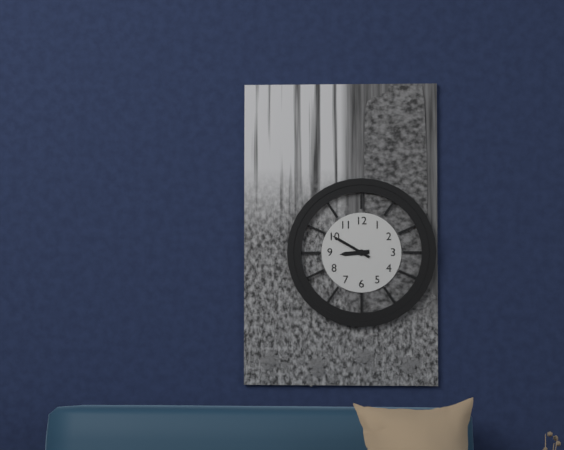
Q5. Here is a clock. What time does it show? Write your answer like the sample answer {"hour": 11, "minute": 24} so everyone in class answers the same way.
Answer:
{"hour": 8, "minute": 50}
